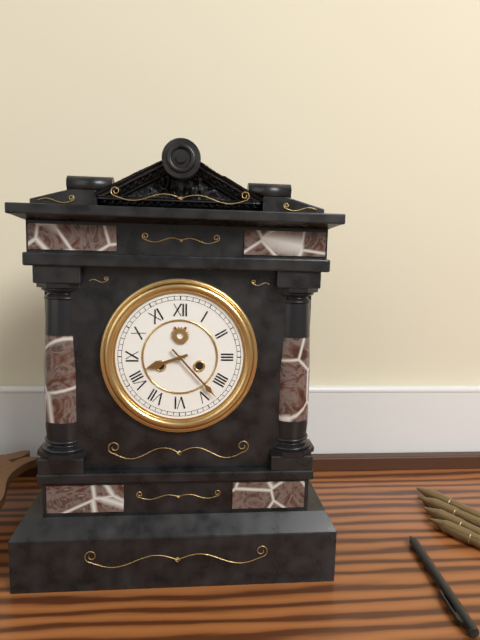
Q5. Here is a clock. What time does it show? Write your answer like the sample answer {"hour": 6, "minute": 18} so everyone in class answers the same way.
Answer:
{"hour": 8, "minute": 23}
